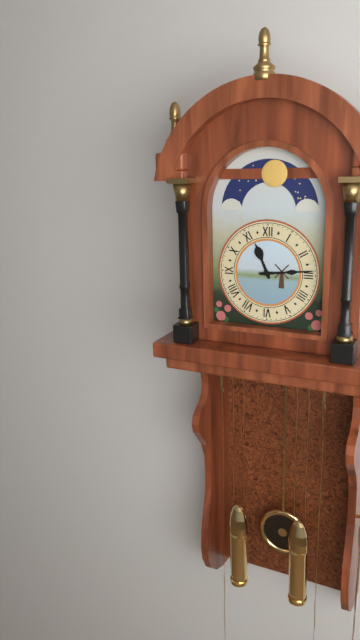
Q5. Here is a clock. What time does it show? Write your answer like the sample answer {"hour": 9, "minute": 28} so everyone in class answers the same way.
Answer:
{"hour": 11, "minute": 14}
